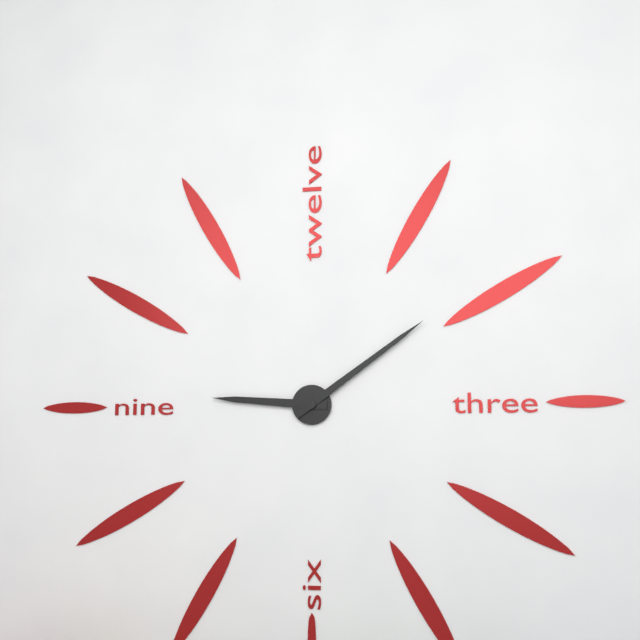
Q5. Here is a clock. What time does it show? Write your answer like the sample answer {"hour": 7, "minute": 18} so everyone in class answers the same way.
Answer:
{"hour": 9, "minute": 9}
